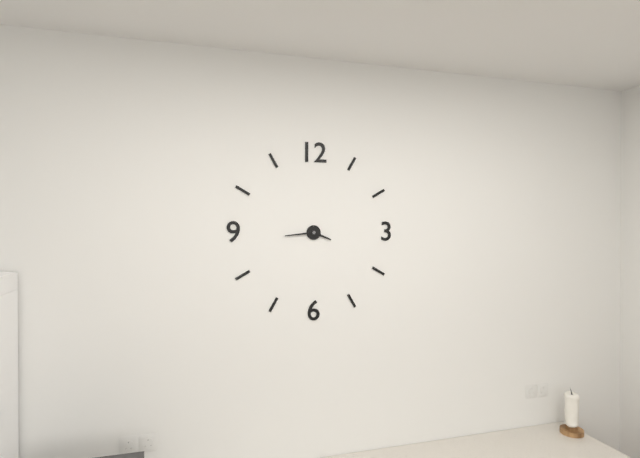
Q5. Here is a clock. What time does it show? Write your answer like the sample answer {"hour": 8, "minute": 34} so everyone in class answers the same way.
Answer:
{"hour": 3, "minute": 44}
